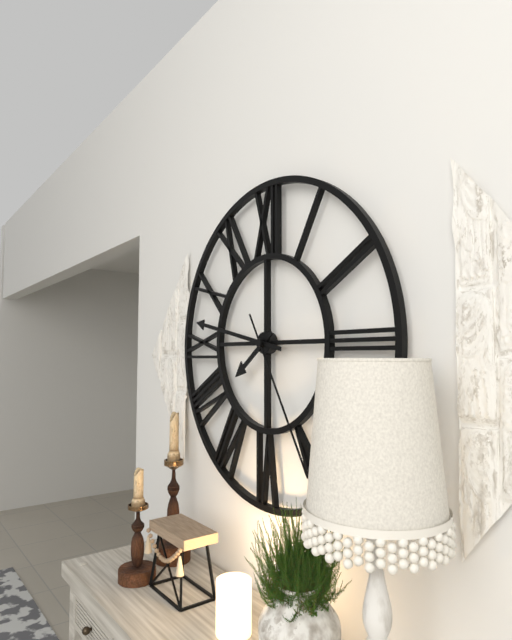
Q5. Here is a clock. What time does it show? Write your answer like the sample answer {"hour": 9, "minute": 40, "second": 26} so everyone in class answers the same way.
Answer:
{"hour": 7, "minute": 47, "second": 25}
